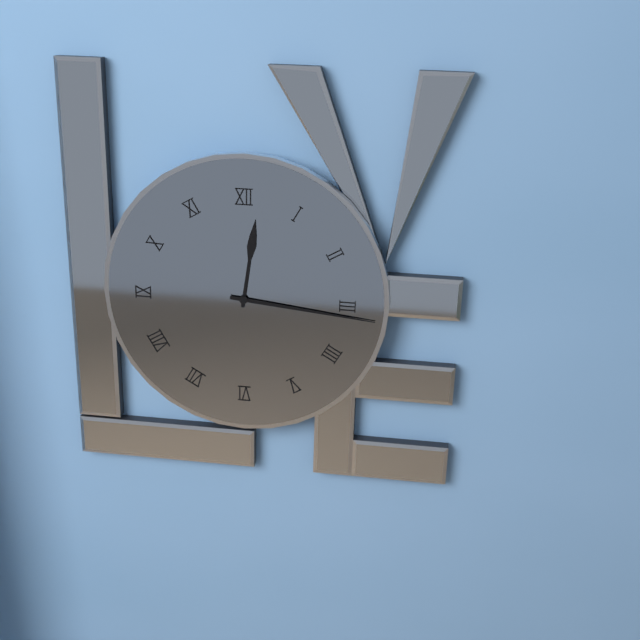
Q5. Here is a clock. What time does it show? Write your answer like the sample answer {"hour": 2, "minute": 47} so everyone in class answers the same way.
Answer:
{"hour": 12, "minute": 16}
